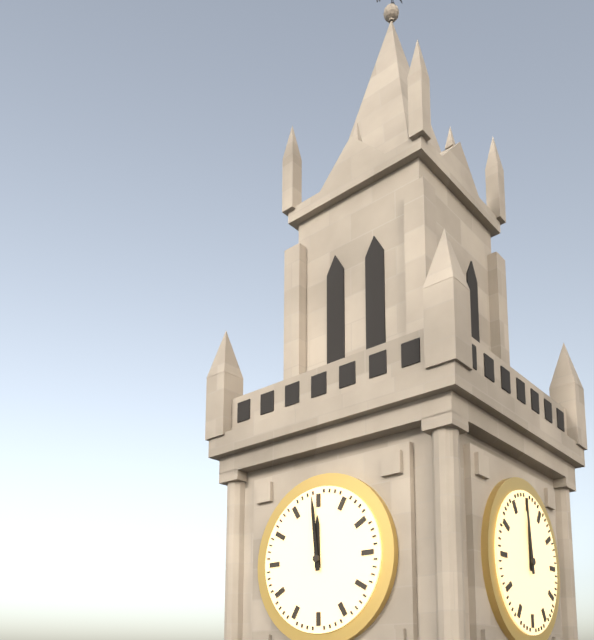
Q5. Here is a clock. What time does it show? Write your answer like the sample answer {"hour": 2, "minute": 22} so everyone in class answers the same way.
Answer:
{"hour": 11, "minute": 59}
